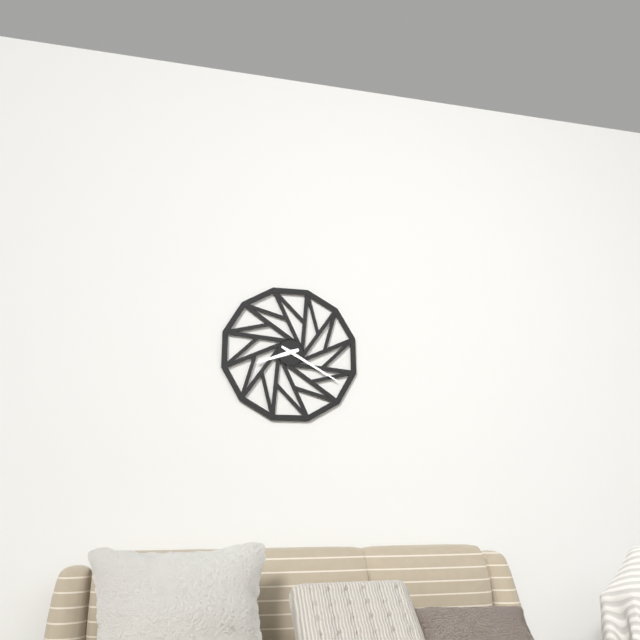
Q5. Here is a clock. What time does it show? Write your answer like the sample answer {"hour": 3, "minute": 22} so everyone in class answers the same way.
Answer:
{"hour": 8, "minute": 20}
